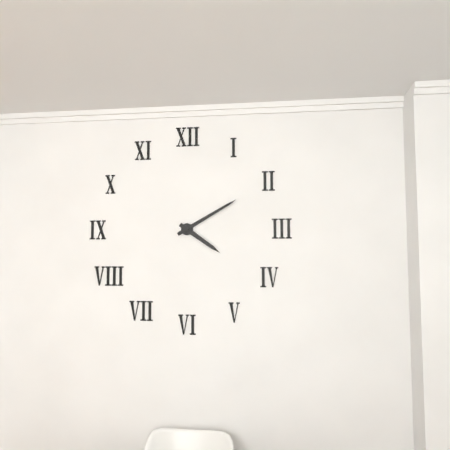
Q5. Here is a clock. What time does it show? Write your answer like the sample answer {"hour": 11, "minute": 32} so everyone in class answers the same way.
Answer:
{"hour": 4, "minute": 10}
